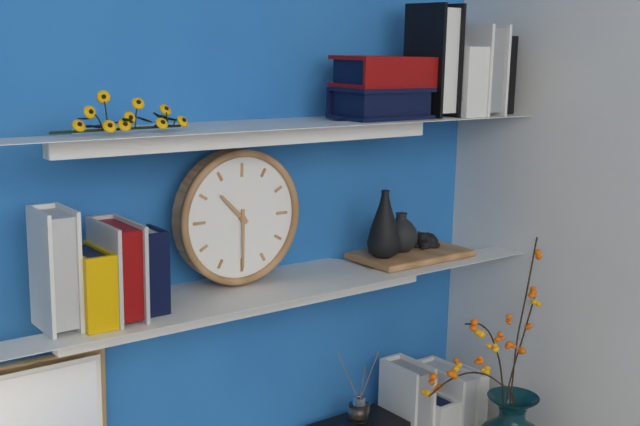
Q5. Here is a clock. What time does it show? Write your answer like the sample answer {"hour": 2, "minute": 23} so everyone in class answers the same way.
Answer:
{"hour": 10, "minute": 30}
